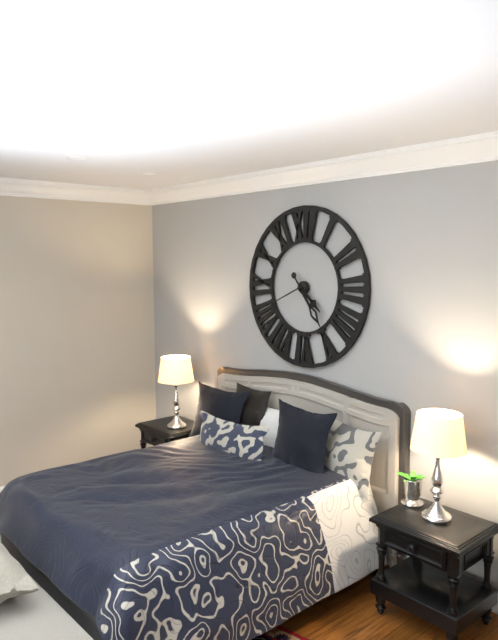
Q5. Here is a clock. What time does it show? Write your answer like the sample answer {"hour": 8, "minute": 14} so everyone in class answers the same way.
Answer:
{"hour": 4, "minute": 24}
